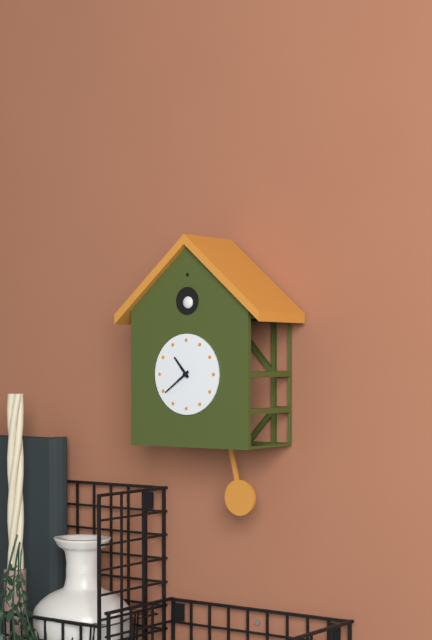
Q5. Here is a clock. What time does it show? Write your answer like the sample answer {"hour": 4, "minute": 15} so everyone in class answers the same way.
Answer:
{"hour": 10, "minute": 39}
